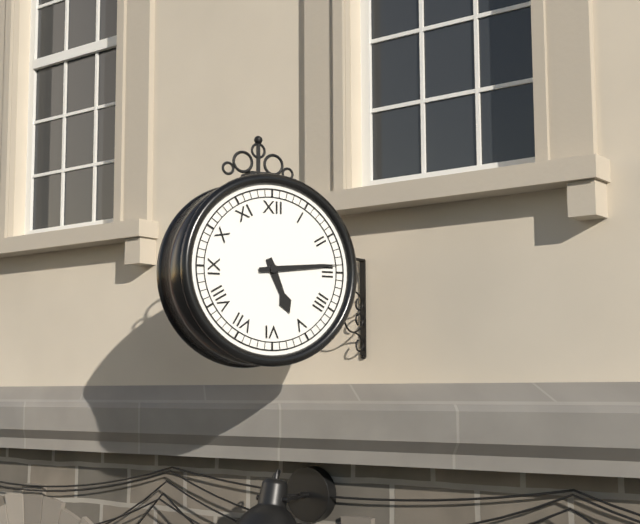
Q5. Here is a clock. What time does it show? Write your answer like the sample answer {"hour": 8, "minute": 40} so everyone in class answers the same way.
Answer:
{"hour": 5, "minute": 14}
